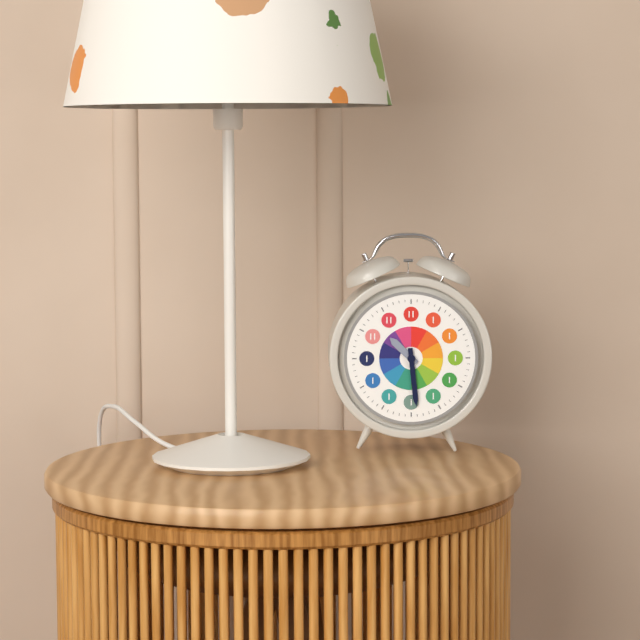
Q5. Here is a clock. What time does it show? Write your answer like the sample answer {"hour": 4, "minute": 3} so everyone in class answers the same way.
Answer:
{"hour": 10, "minute": 29}
